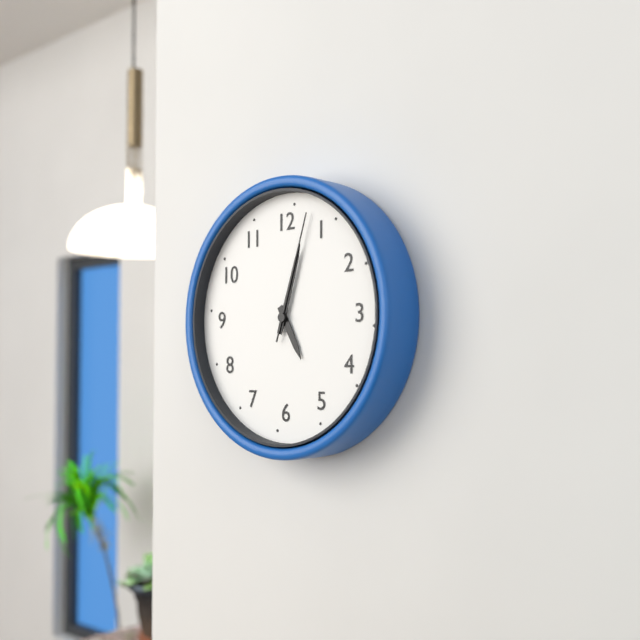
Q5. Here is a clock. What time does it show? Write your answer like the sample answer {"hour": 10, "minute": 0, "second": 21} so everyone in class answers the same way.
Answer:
{"hour": 5, "minute": 3, "second": 3}
